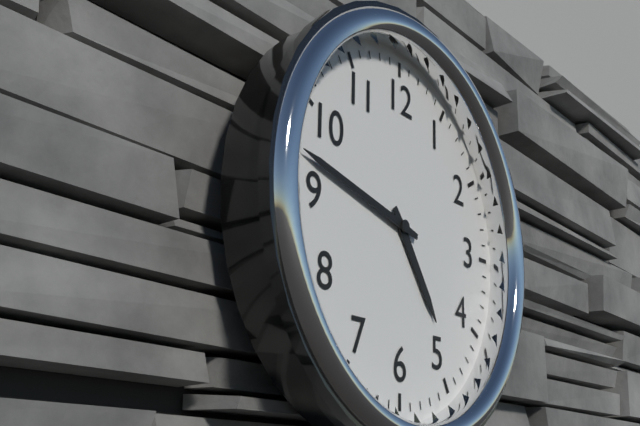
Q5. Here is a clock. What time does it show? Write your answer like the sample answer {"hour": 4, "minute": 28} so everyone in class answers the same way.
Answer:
{"hour": 4, "minute": 47}
